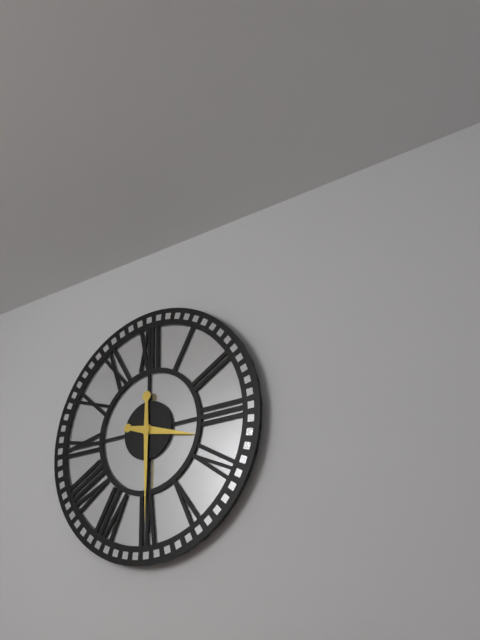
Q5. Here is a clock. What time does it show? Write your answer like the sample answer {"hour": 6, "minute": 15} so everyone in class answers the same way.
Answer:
{"hour": 3, "minute": 30}
